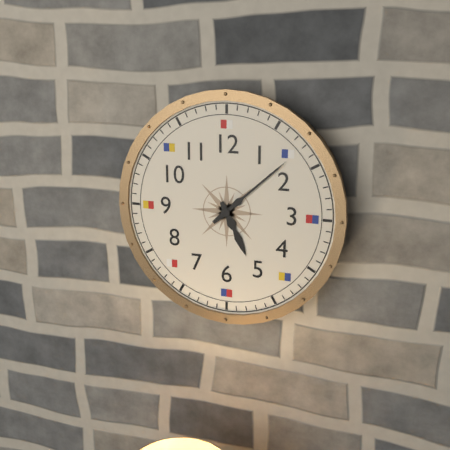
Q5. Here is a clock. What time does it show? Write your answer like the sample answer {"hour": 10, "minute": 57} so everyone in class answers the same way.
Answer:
{"hour": 5, "minute": 8}
